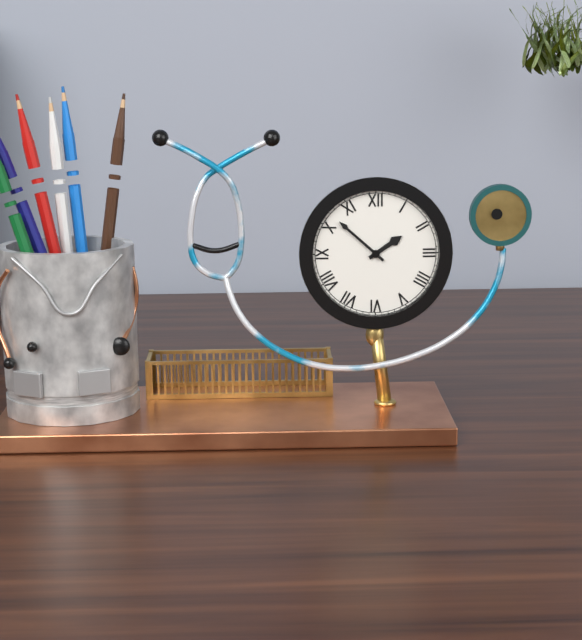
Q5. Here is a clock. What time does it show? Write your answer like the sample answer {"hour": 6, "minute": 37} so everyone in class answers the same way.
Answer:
{"hour": 1, "minute": 52}
